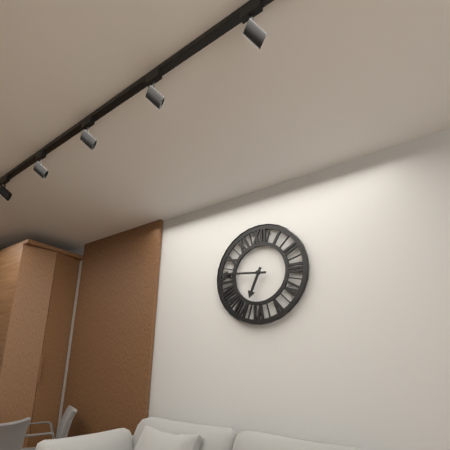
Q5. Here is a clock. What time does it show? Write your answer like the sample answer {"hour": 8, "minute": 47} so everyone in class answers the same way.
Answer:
{"hour": 6, "minute": 46}
